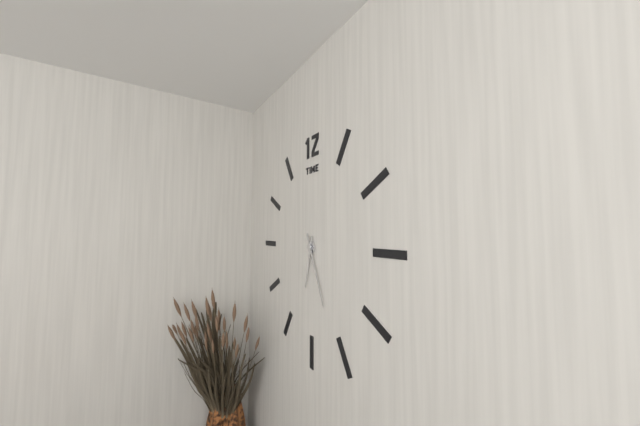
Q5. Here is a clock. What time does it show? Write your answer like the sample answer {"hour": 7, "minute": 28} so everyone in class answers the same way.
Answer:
{"hour": 6, "minute": 26}
